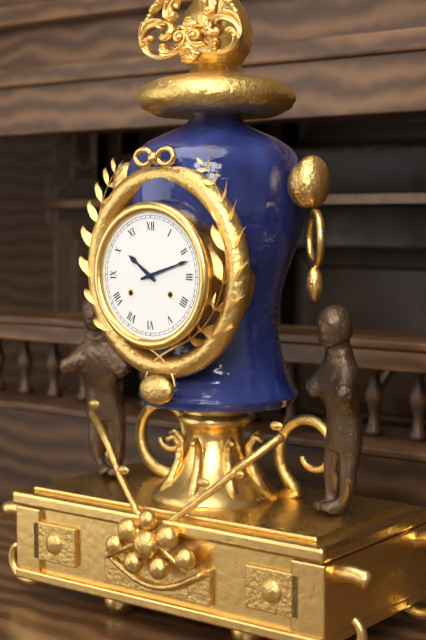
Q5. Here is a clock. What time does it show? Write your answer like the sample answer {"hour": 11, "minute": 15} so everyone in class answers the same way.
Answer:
{"hour": 10, "minute": 12}
